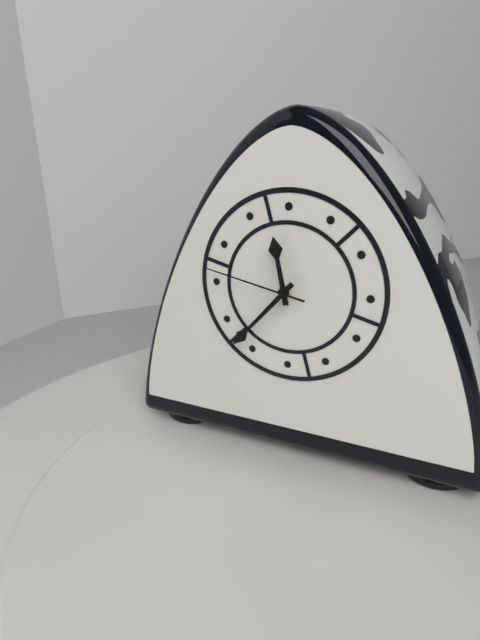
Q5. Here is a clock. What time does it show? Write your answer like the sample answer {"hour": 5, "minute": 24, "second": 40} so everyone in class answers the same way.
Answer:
{"hour": 11, "minute": 37, "second": 47}
